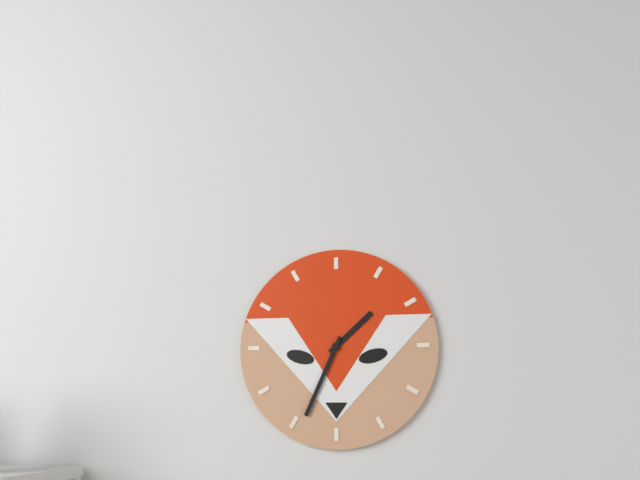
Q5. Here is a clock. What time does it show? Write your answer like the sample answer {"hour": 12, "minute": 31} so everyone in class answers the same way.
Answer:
{"hour": 1, "minute": 34}
